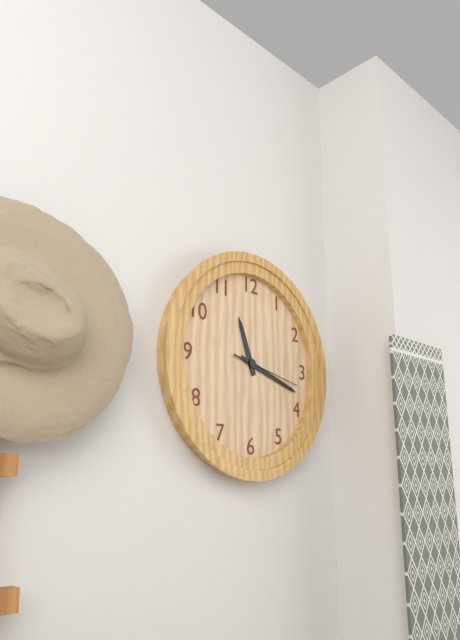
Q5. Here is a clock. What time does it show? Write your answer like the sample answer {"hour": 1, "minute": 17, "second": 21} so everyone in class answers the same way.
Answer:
{"hour": 11, "minute": 18, "second": 17}
